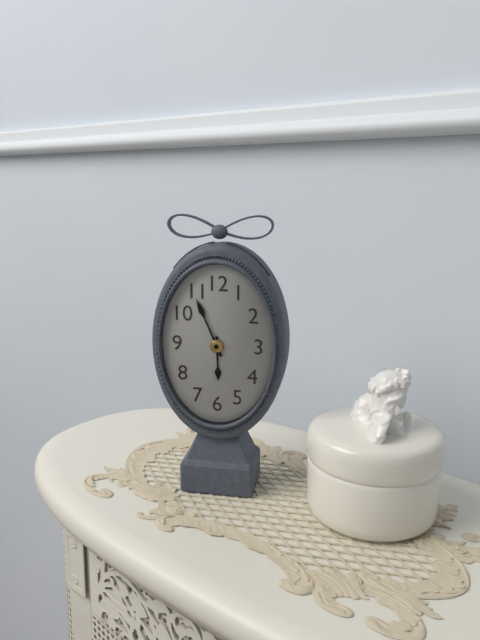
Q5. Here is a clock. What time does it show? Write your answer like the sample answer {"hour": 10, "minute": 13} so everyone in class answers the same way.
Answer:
{"hour": 5, "minute": 56}
